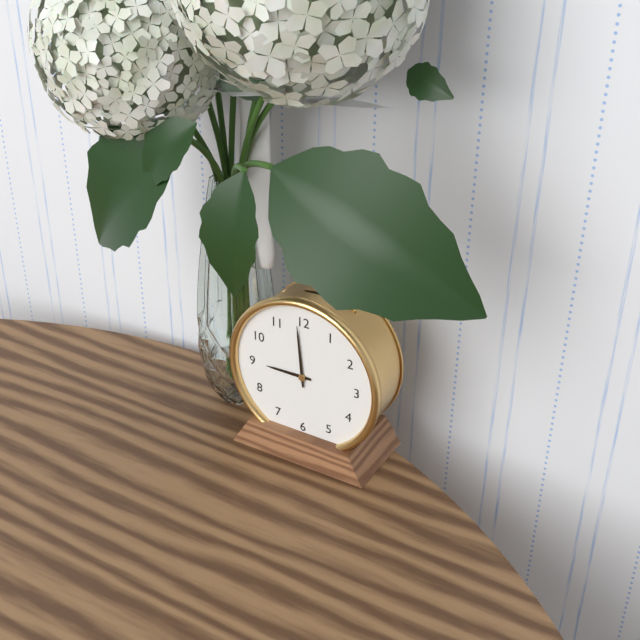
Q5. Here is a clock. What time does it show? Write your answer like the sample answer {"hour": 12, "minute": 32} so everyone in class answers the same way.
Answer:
{"hour": 8, "minute": 59}
